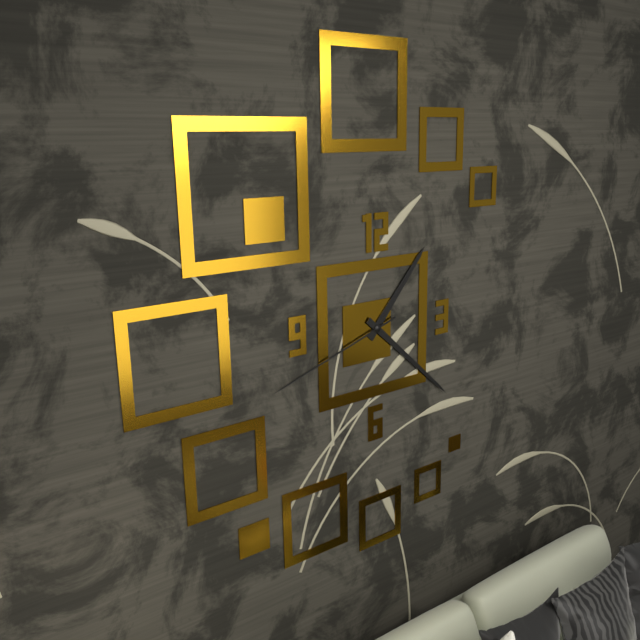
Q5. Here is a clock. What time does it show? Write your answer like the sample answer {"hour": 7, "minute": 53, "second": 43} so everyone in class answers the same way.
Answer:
{"hour": 1, "minute": 22, "second": 42}
